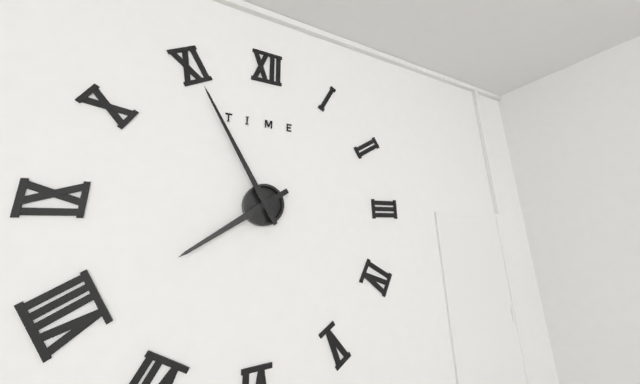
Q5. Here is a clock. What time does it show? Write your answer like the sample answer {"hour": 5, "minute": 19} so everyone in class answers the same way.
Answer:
{"hour": 7, "minute": 55}
